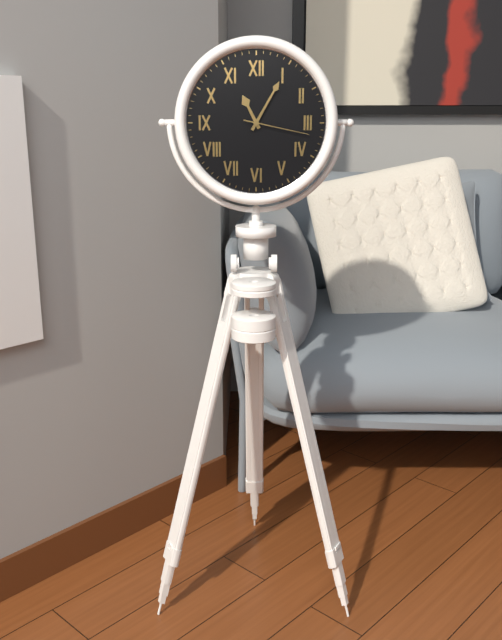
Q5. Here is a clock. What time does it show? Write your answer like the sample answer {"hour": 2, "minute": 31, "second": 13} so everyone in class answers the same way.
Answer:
{"hour": 11, "minute": 5, "second": 17}
